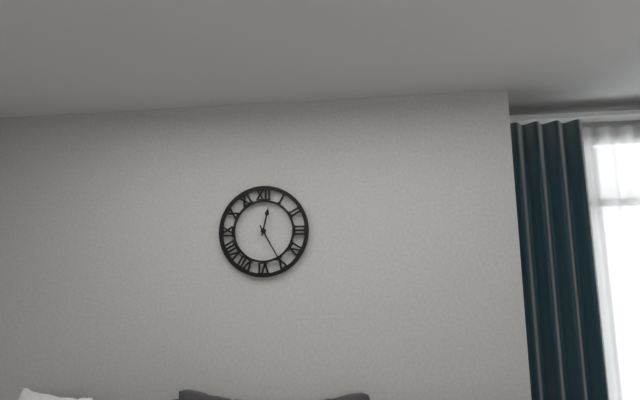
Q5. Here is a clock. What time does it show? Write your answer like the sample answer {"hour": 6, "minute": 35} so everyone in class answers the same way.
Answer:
{"hour": 12, "minute": 25}
